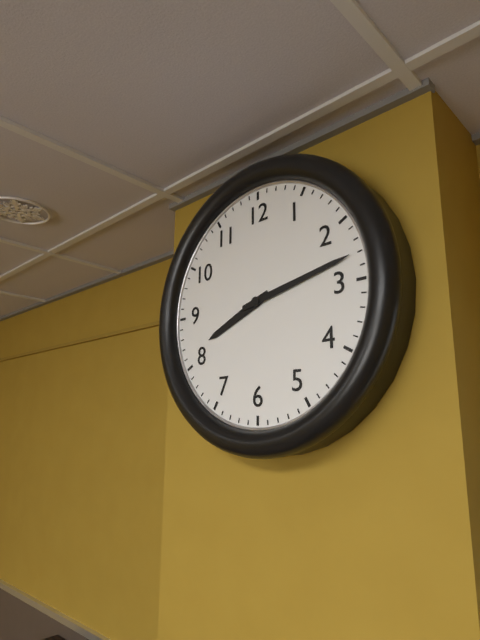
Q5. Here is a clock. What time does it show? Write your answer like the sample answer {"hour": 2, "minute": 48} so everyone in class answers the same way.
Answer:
{"hour": 8, "minute": 13}
